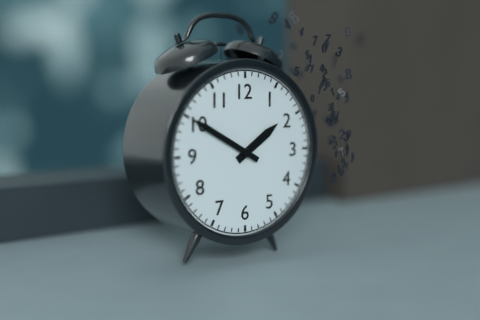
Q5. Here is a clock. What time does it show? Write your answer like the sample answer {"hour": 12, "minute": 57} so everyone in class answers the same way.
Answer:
{"hour": 1, "minute": 50}
